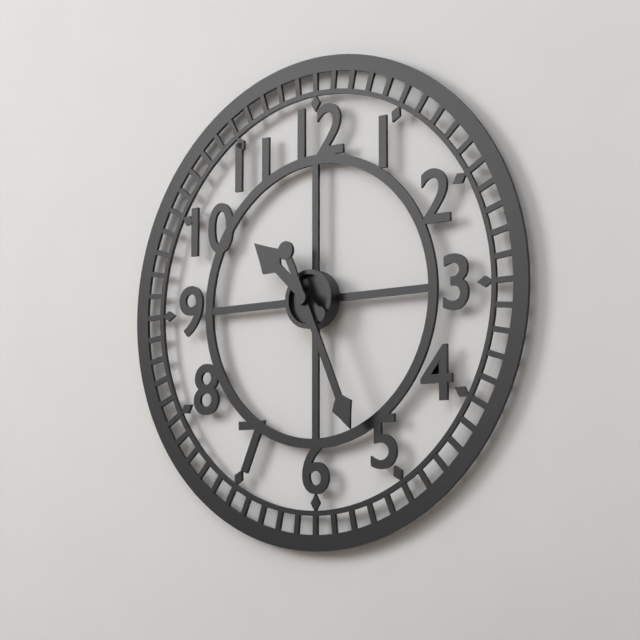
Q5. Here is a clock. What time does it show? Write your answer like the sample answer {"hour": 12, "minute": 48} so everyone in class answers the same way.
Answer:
{"hour": 10, "minute": 26}
